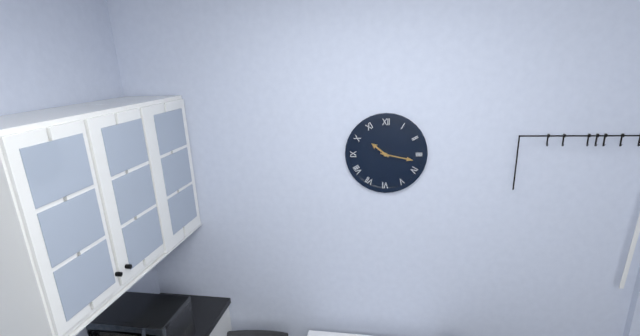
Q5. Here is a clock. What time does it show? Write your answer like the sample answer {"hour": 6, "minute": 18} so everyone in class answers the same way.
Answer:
{"hour": 10, "minute": 17}
